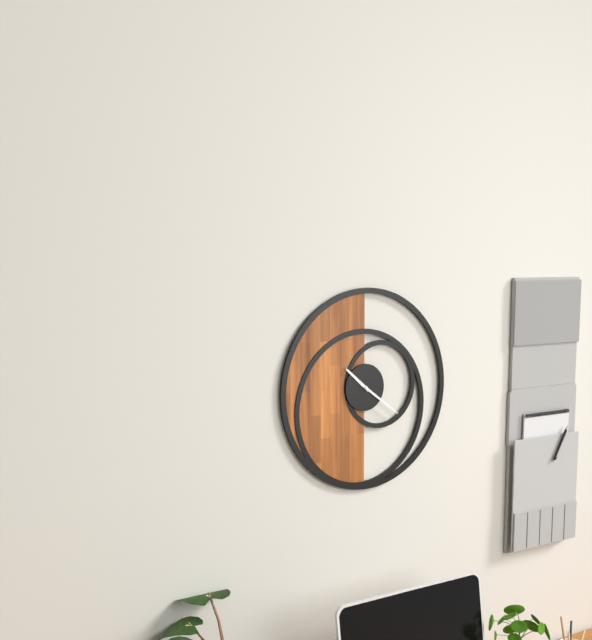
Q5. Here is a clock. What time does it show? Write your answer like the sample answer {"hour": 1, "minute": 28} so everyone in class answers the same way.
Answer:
{"hour": 10, "minute": 21}
